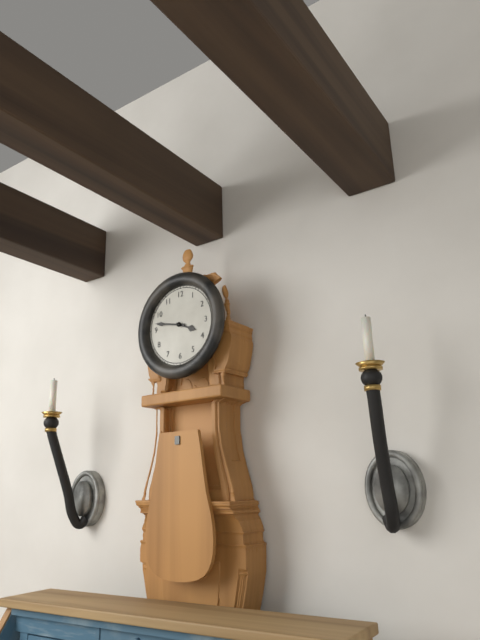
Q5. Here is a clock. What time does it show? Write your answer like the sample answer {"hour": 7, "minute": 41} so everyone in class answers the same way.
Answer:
{"hour": 3, "minute": 47}
